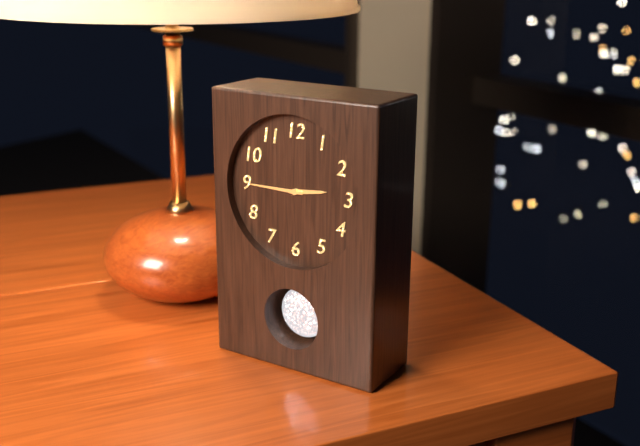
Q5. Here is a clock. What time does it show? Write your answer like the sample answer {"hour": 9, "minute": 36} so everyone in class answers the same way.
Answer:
{"hour": 2, "minute": 45}
